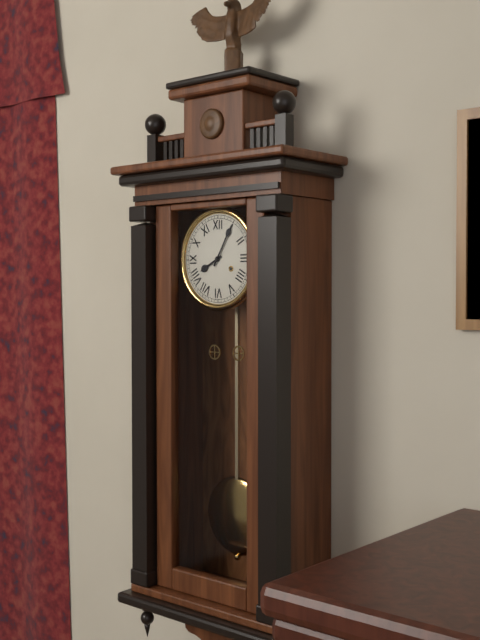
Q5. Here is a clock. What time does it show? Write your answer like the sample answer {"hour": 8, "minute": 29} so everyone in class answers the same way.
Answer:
{"hour": 8, "minute": 5}
